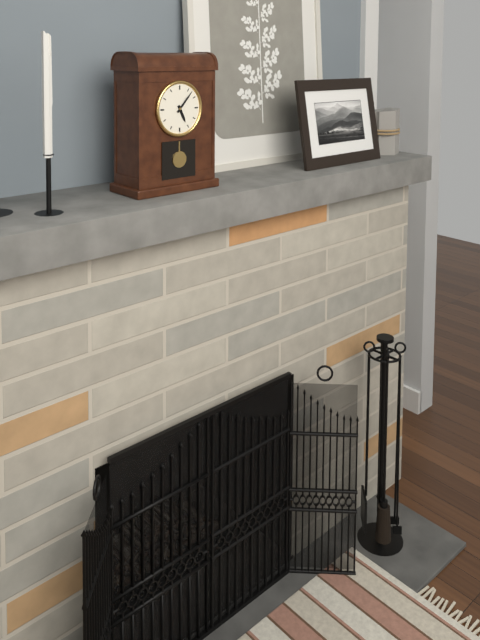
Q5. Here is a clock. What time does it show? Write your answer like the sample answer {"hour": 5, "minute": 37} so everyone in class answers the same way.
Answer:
{"hour": 5, "minute": 7}
